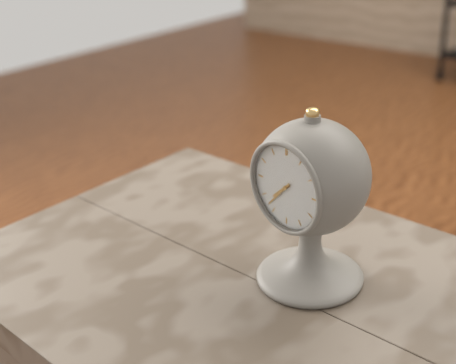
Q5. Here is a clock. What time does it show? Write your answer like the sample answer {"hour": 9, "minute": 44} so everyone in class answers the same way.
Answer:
{"hour": 7, "minute": 37}
